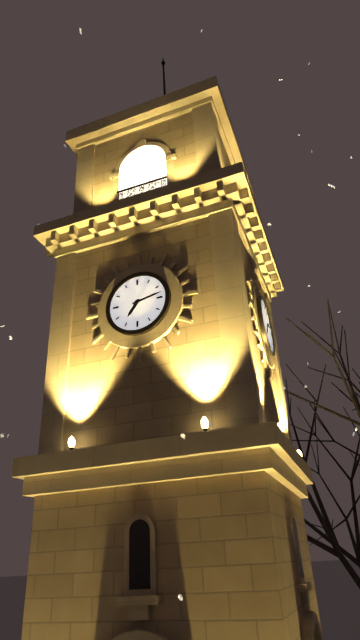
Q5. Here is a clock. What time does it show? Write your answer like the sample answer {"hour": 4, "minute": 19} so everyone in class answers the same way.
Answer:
{"hour": 7, "minute": 13}
